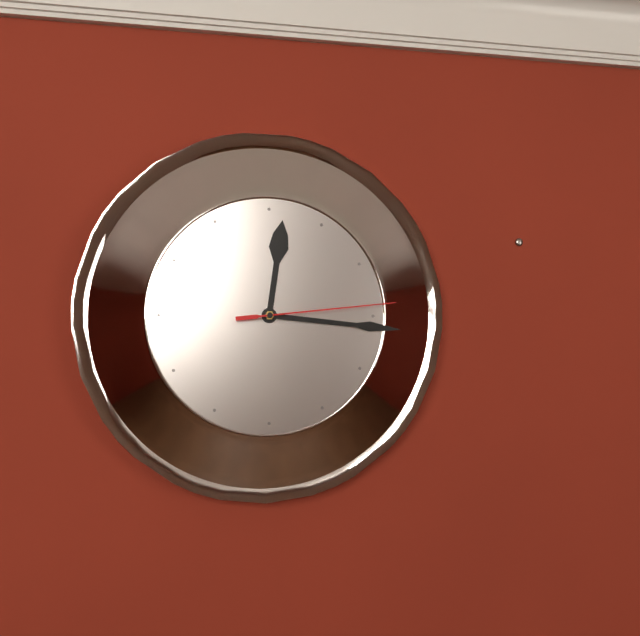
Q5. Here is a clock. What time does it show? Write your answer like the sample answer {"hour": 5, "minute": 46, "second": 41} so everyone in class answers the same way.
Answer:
{"hour": 12, "minute": 16, "second": 14}
